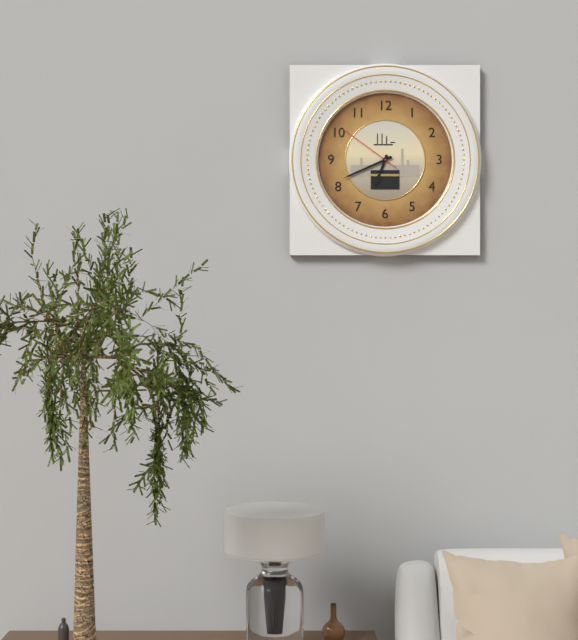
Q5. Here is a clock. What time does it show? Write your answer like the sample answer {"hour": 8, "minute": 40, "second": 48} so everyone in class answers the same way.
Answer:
{"hour": 6, "minute": 41, "second": 51}
